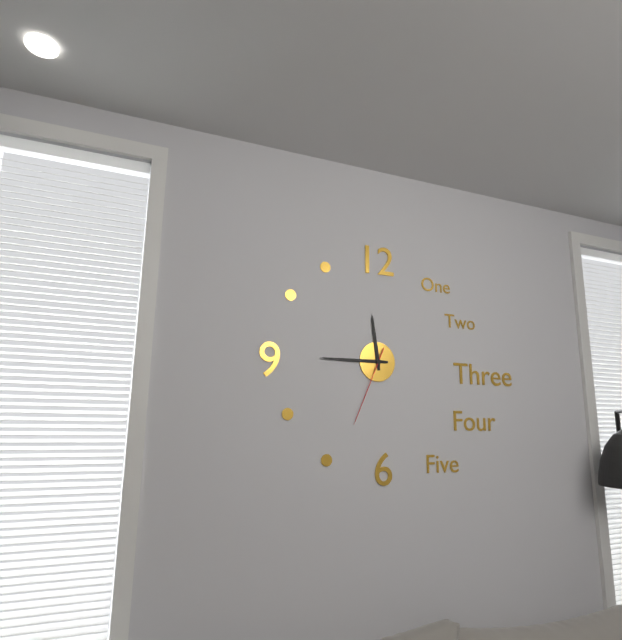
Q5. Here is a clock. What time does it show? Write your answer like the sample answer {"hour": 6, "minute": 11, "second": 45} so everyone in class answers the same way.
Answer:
{"hour": 11, "minute": 45, "second": 34}
